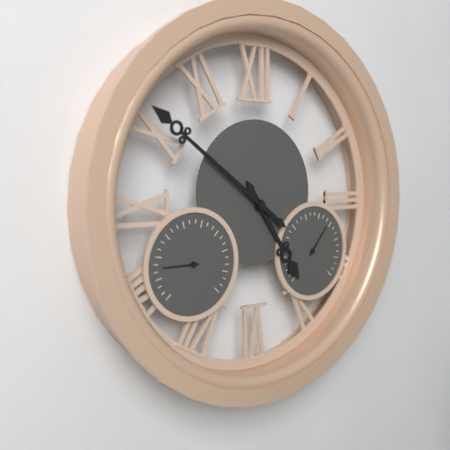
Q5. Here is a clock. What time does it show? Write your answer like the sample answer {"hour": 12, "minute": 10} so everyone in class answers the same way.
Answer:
{"hour": 4, "minute": 51}
